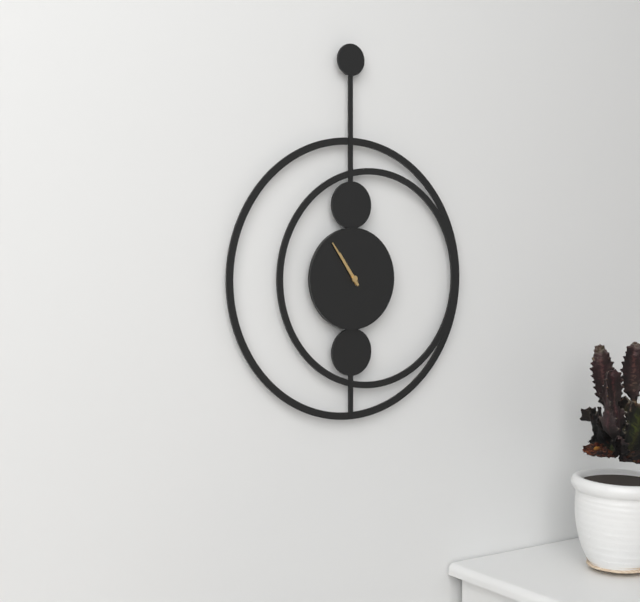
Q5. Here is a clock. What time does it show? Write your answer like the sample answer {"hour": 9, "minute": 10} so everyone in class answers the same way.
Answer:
{"hour": 10, "minute": 54}
